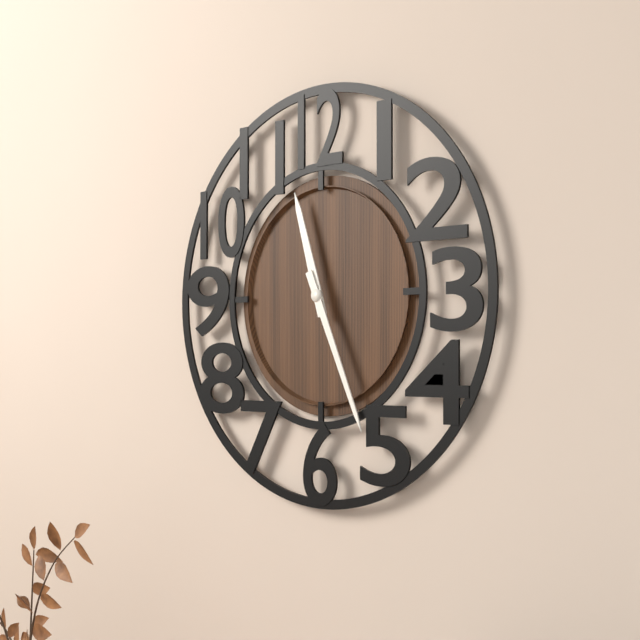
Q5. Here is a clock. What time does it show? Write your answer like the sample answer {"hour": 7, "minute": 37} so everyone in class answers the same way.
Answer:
{"hour": 11, "minute": 26}
